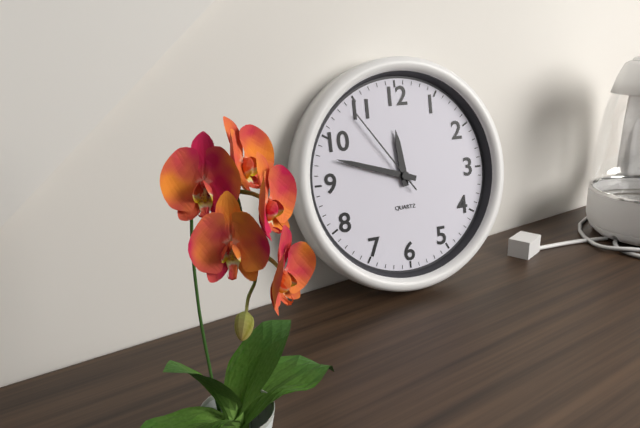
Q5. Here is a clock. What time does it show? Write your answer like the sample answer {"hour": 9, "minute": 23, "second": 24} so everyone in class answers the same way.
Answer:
{"hour": 11, "minute": 48, "second": 54}
